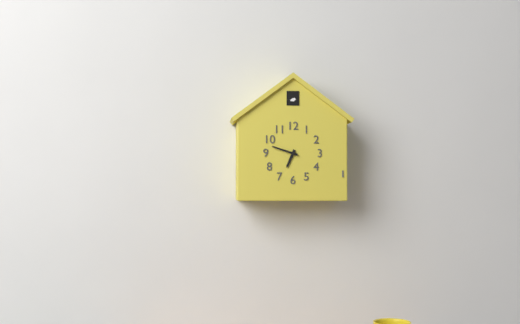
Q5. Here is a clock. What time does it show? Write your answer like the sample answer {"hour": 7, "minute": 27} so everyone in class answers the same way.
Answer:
{"hour": 6, "minute": 48}
